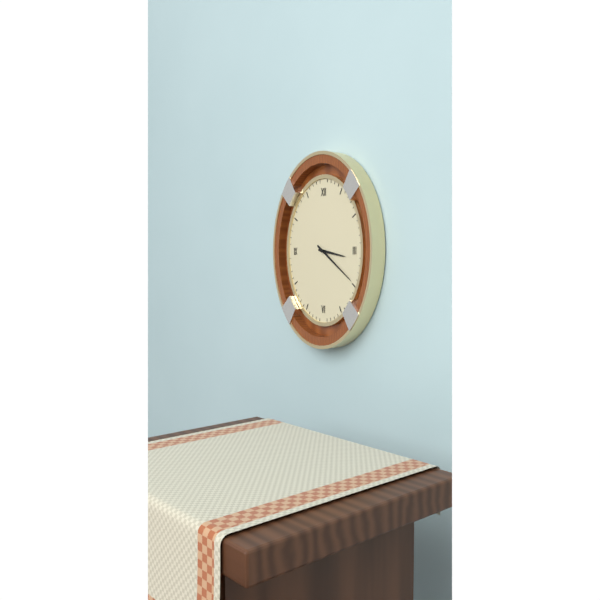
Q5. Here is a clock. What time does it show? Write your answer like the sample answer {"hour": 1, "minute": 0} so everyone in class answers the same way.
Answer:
{"hour": 3, "minute": 21}
